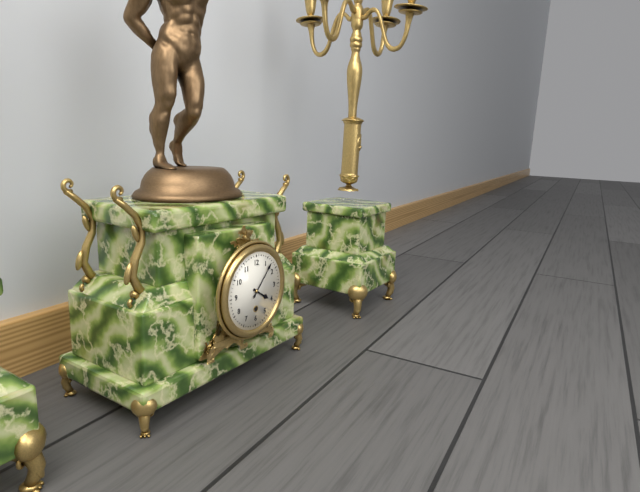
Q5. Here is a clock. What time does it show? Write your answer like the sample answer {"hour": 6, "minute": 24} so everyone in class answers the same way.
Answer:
{"hour": 4, "minute": 7}
